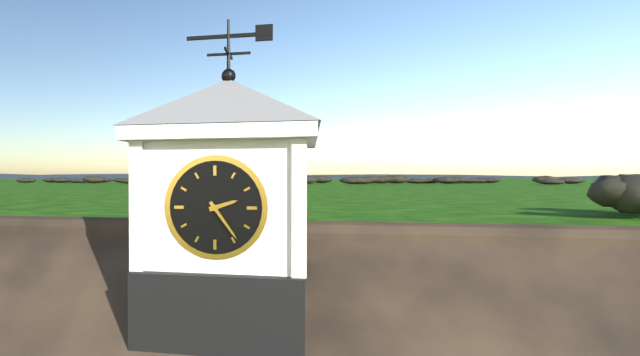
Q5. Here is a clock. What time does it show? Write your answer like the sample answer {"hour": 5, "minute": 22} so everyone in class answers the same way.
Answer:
{"hour": 2, "minute": 24}
